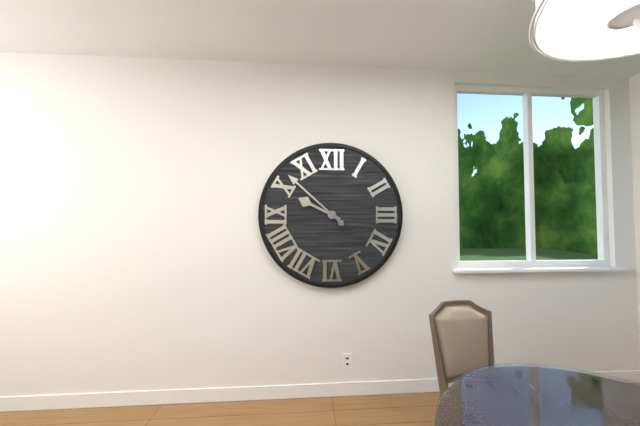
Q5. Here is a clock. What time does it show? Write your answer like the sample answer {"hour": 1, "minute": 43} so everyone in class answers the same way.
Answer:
{"hour": 9, "minute": 52}
